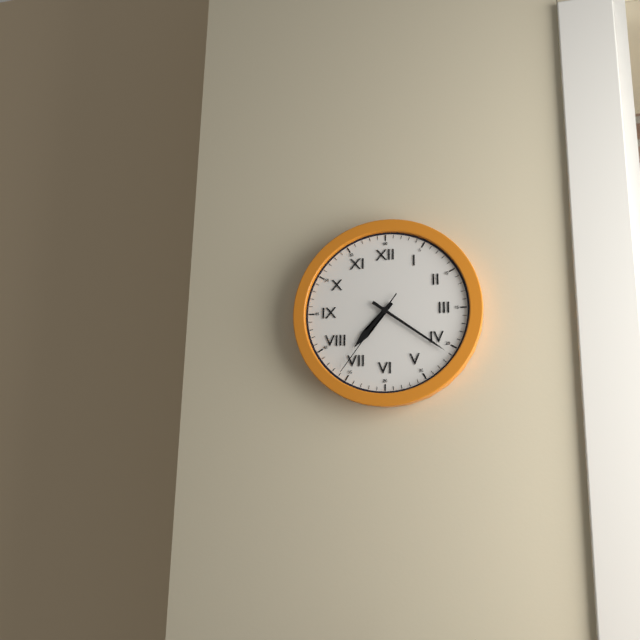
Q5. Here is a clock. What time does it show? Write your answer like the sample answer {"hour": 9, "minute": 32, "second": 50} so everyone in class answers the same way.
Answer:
{"hour": 7, "minute": 21, "second": 36}
